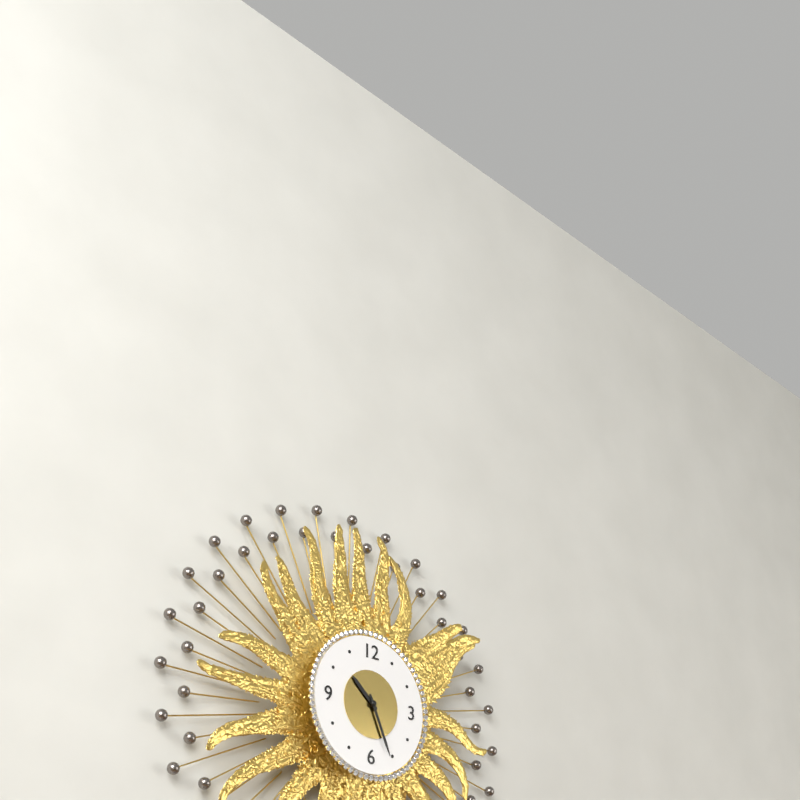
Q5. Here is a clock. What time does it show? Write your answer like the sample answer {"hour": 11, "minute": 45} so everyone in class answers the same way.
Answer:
{"hour": 10, "minute": 26}
